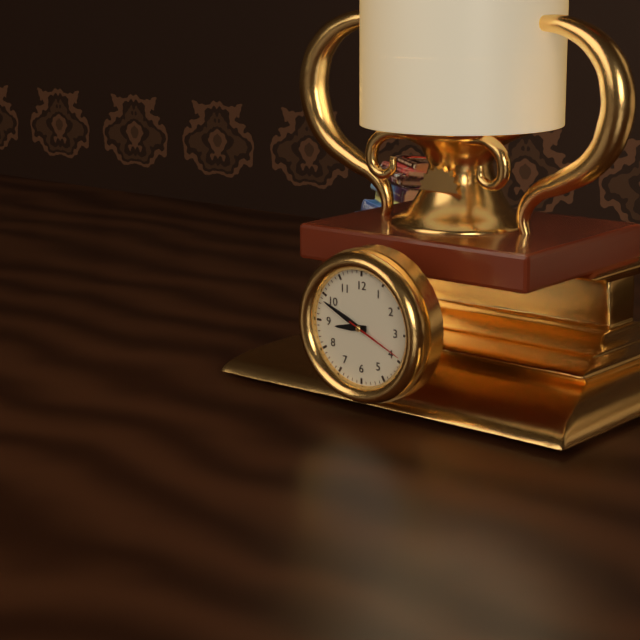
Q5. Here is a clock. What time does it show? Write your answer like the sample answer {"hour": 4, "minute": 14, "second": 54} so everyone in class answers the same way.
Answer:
{"hour": 8, "minute": 49, "second": 19}
